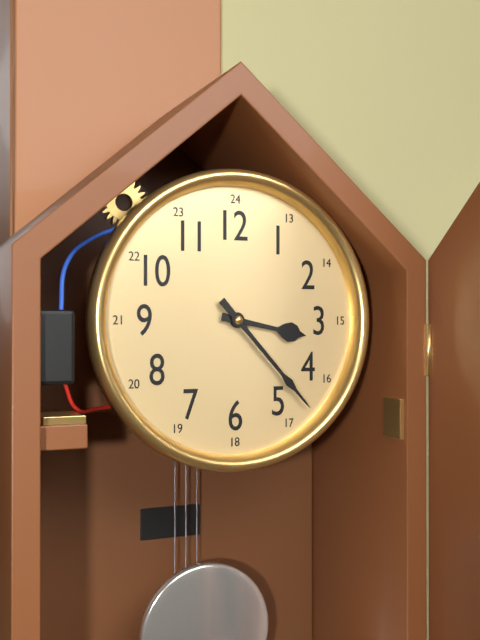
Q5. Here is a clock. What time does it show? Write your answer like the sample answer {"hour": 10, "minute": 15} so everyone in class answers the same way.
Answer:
{"hour": 3, "minute": 23}
